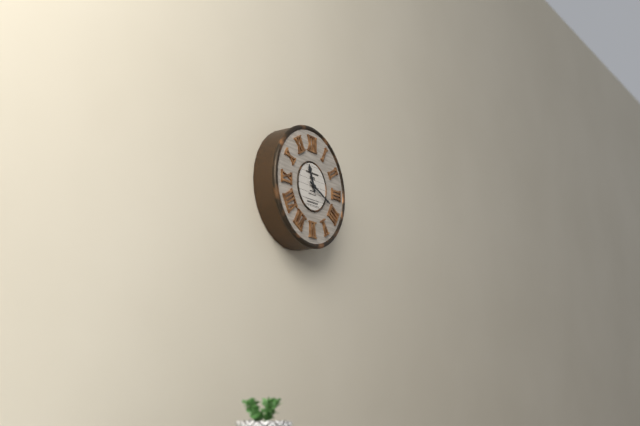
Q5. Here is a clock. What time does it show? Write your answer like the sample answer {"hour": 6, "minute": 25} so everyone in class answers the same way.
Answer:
{"hour": 11, "minute": 19}
